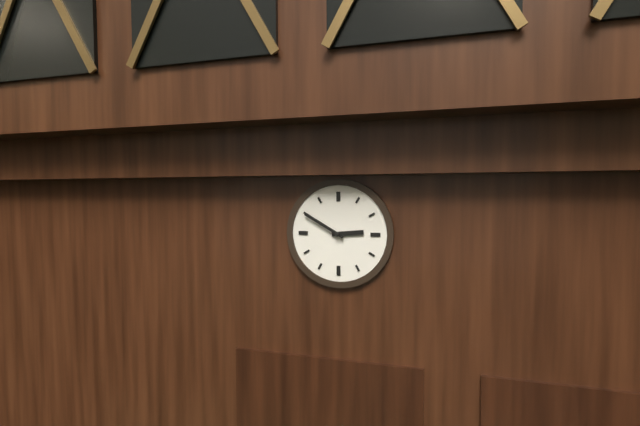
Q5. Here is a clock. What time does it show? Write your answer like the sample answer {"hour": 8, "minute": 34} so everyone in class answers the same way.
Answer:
{"hour": 2, "minute": 50}
